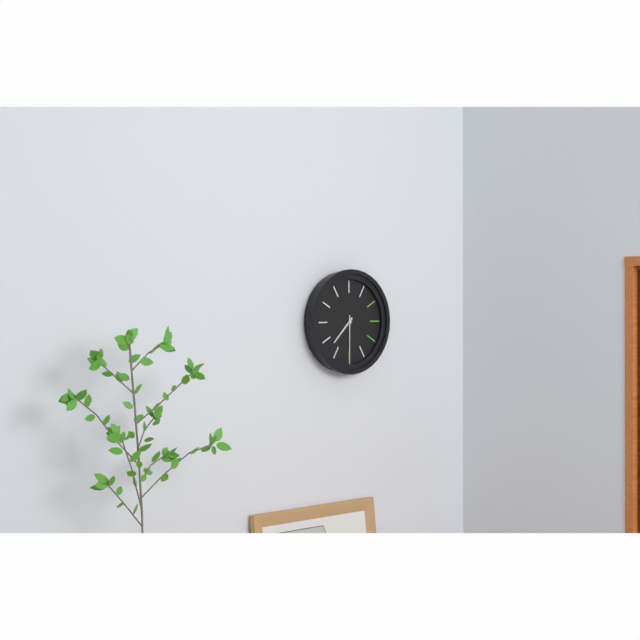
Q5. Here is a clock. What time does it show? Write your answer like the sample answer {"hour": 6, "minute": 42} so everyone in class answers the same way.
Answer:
{"hour": 7, "minute": 30}
